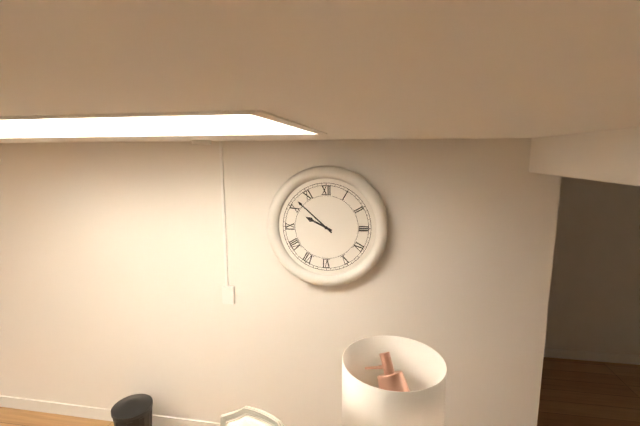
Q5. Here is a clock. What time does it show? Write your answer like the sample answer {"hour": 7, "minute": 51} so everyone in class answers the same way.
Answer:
{"hour": 9, "minute": 52}
